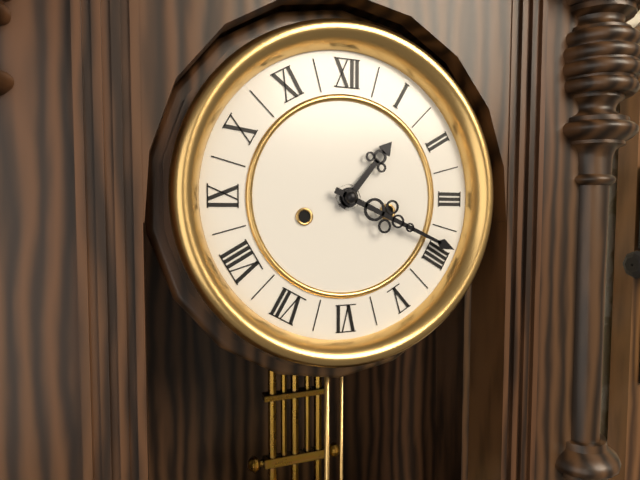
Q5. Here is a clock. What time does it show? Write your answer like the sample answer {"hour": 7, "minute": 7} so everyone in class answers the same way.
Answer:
{"hour": 1, "minute": 19}
